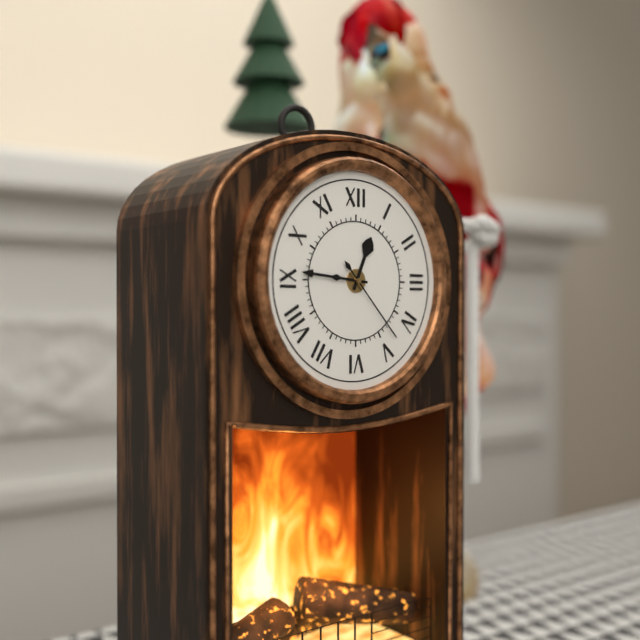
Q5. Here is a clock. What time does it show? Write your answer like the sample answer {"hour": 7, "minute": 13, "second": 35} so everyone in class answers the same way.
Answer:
{"hour": 12, "minute": 46, "second": 23}
